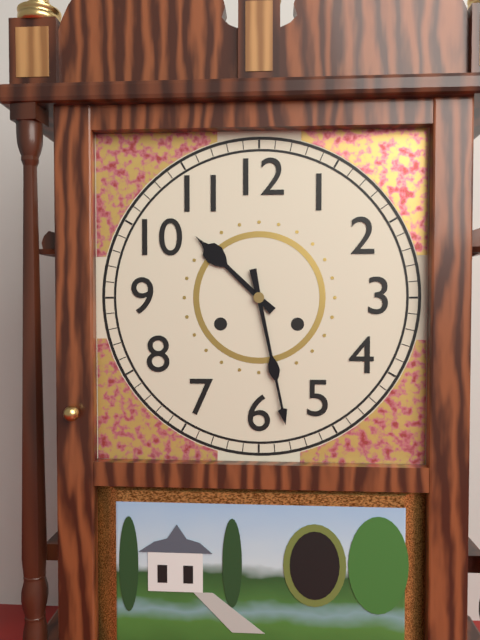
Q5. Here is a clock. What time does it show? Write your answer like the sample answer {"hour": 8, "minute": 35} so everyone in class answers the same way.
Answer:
{"hour": 10, "minute": 28}
